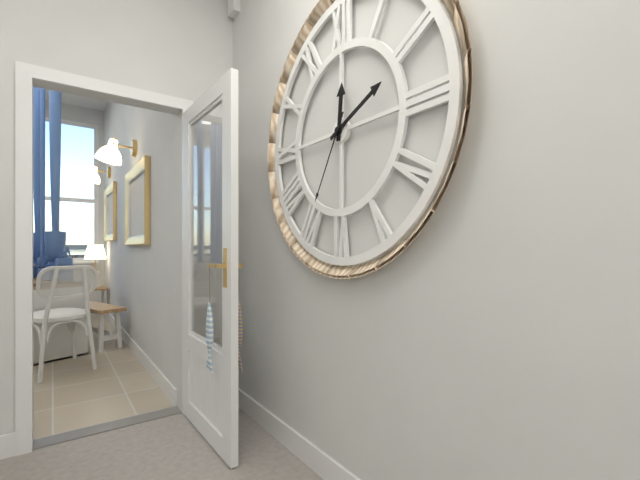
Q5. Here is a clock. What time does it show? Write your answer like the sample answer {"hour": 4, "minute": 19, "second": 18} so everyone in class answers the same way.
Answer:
{"hour": 12, "minute": 11, "second": 35}
